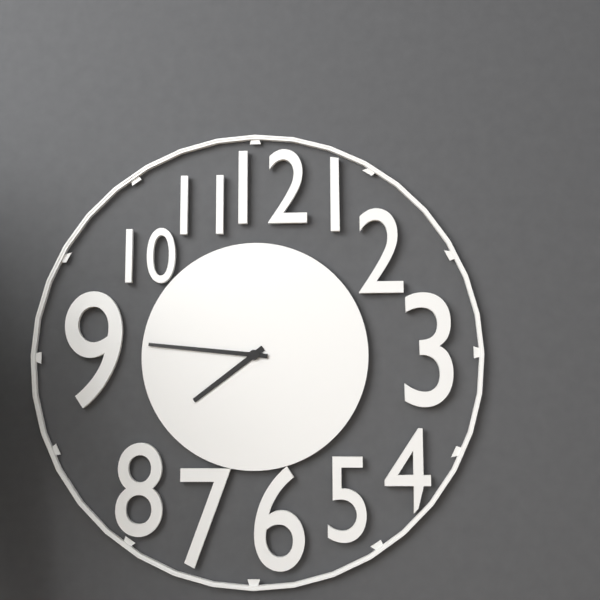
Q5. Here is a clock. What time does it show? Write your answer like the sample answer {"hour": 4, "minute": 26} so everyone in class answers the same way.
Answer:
{"hour": 7, "minute": 46}
